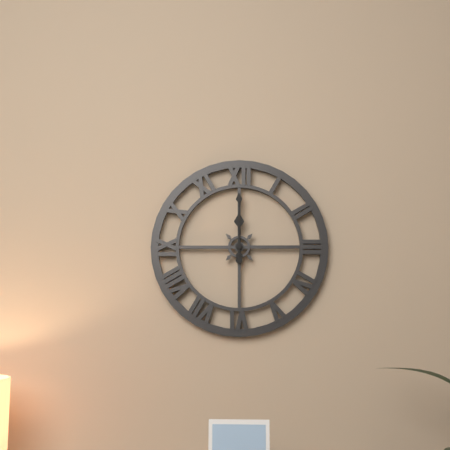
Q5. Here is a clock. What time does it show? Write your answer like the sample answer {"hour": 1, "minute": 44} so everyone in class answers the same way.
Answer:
{"hour": 12, "minute": 0}
